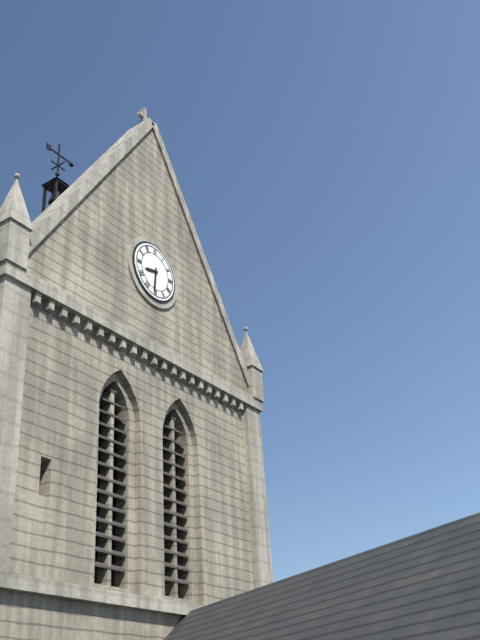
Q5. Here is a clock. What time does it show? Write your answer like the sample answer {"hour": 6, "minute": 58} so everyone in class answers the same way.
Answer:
{"hour": 8, "minute": 31}
